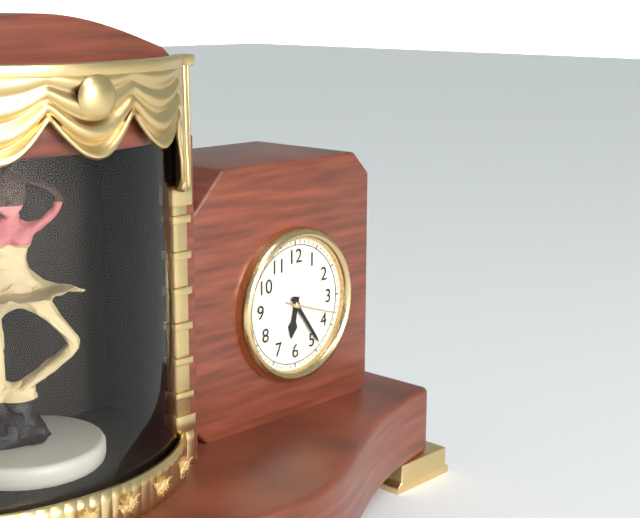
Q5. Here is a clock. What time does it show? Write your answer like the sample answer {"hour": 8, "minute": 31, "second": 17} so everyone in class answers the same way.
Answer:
{"hour": 6, "minute": 24, "second": 18}
